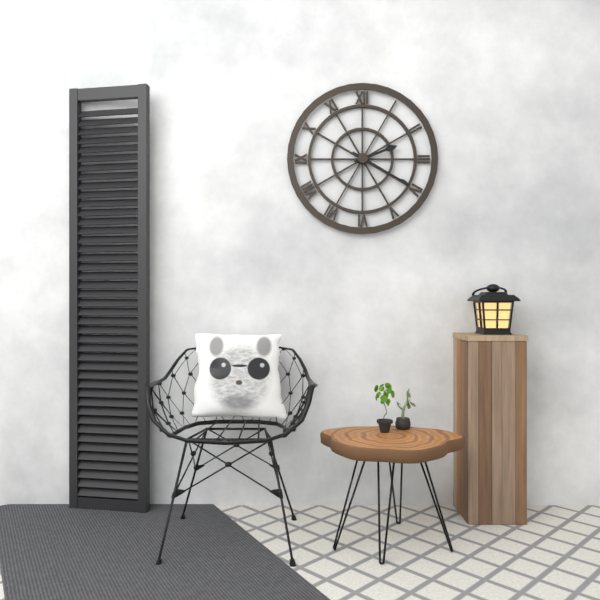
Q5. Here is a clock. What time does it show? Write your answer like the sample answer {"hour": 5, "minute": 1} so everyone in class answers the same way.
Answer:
{"hour": 2, "minute": 20}
